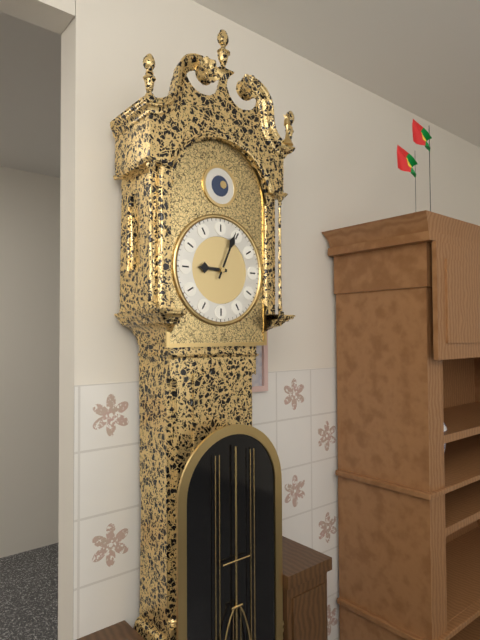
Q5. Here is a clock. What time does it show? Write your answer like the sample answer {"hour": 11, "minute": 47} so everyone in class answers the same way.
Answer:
{"hour": 9, "minute": 4}
